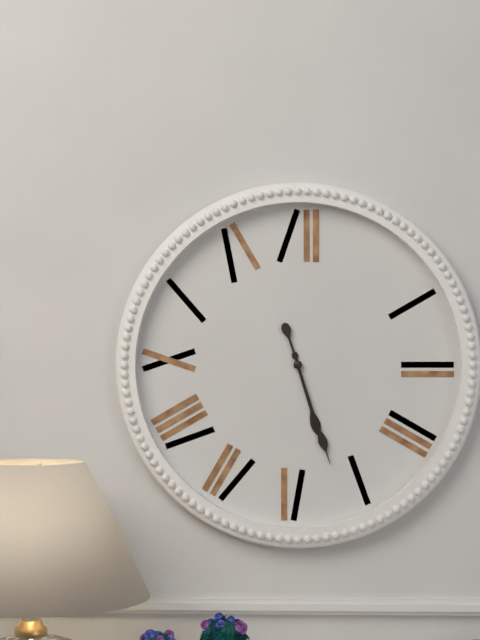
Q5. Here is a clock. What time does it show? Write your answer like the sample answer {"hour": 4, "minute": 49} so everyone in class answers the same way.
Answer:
{"hour": 5, "minute": 27}
